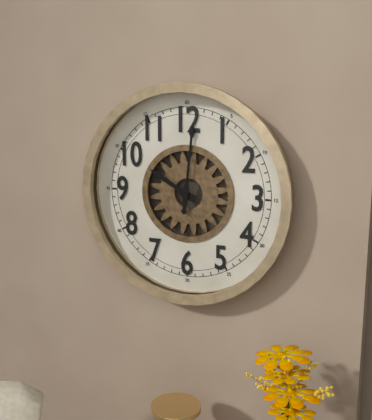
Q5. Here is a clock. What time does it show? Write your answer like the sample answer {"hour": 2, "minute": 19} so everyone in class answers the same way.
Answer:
{"hour": 10, "minute": 1}
